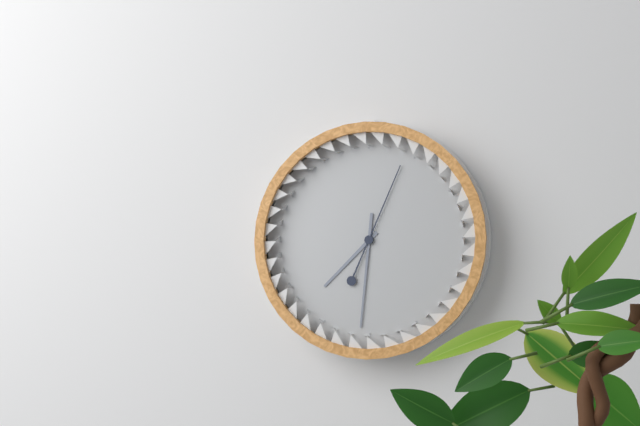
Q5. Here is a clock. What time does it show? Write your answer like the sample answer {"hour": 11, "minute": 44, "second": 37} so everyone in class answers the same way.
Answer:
{"hour": 7, "minute": 31, "second": 4}
